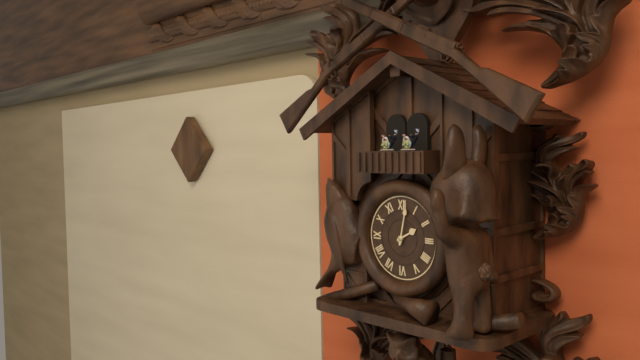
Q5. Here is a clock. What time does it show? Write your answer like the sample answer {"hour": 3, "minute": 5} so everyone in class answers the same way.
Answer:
{"hour": 2, "minute": 2}
